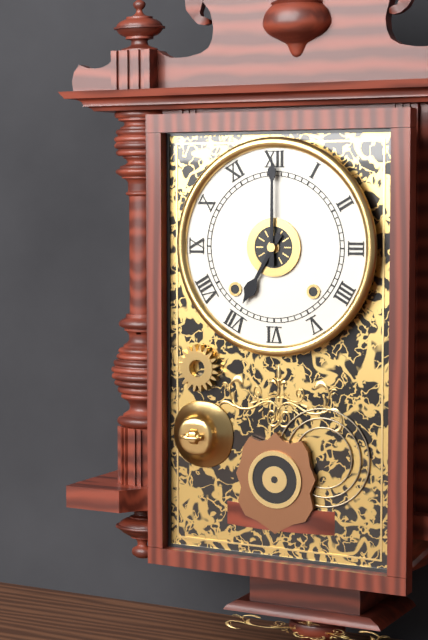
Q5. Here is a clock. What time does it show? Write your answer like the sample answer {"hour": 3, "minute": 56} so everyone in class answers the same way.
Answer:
{"hour": 7, "minute": 0}
